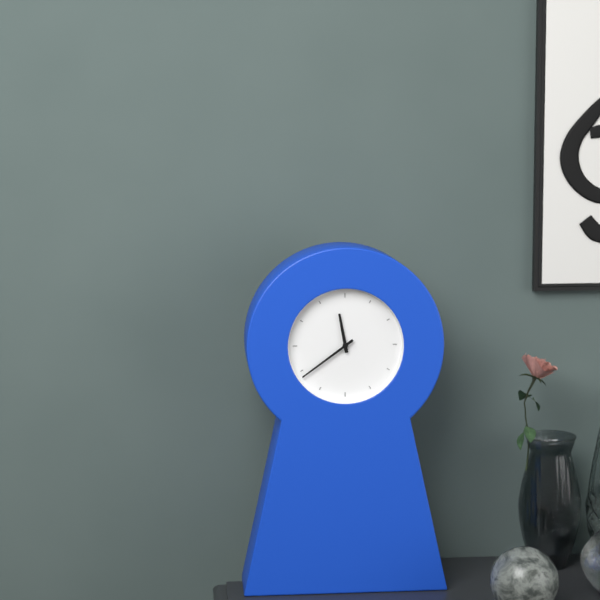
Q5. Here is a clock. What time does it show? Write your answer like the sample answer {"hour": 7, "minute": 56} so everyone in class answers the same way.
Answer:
{"hour": 11, "minute": 39}
